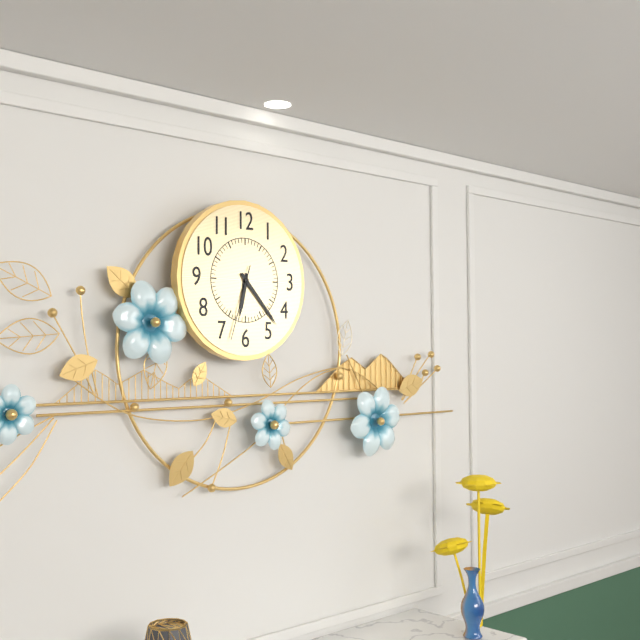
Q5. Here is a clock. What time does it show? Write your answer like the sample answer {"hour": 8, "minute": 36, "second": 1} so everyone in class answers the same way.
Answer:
{"hour": 6, "minute": 23, "second": 33}
